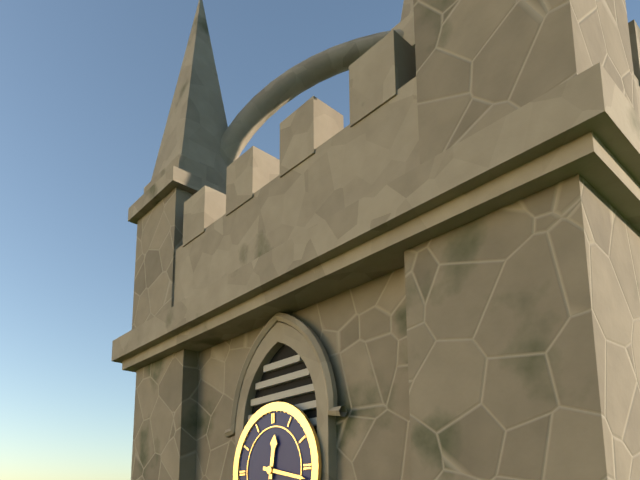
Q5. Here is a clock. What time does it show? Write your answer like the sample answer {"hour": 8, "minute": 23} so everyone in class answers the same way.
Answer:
{"hour": 12, "minute": 17}
